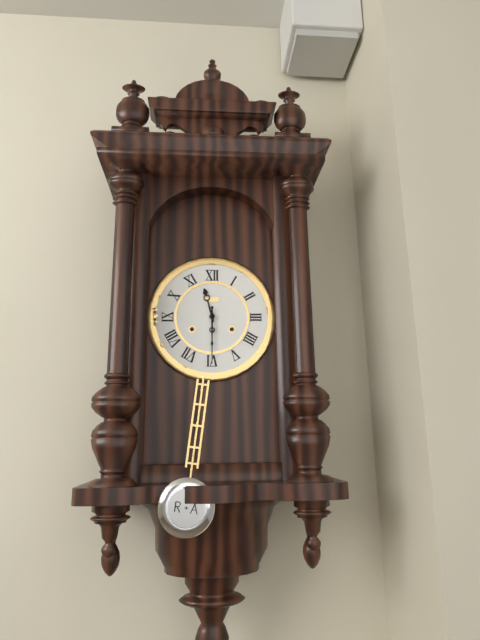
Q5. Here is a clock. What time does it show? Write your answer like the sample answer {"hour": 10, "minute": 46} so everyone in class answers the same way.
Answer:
{"hour": 11, "minute": 30}
